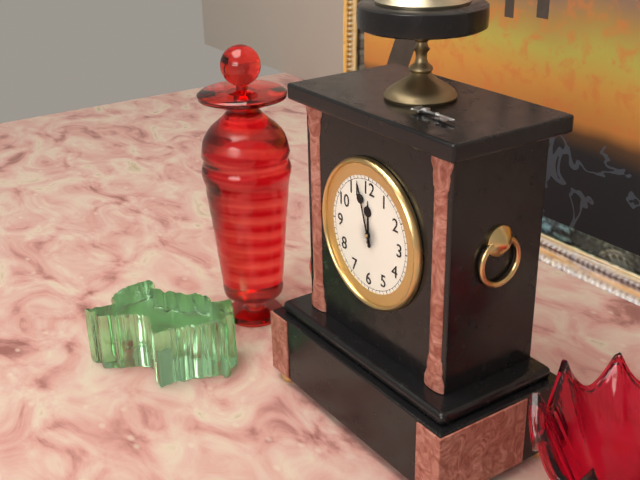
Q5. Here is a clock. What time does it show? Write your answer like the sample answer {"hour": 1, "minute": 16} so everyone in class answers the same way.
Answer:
{"hour": 11, "minute": 57}
